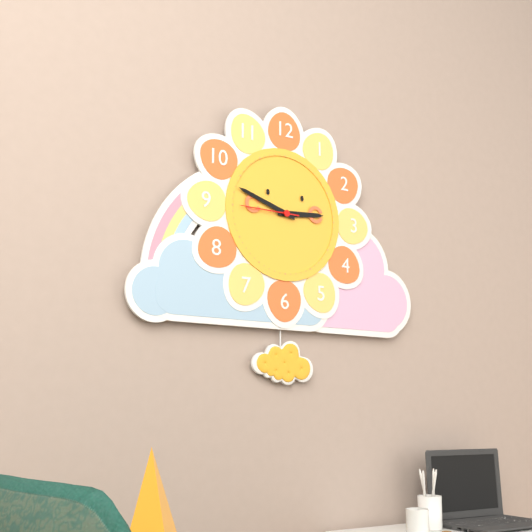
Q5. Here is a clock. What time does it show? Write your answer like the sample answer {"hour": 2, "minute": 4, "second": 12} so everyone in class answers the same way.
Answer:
{"hour": 2, "minute": 48, "second": 45}
